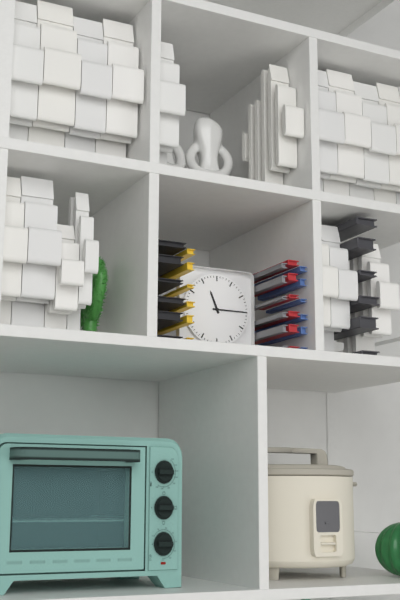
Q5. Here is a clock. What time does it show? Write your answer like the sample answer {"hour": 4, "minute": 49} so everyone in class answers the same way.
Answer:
{"hour": 11, "minute": 15}
